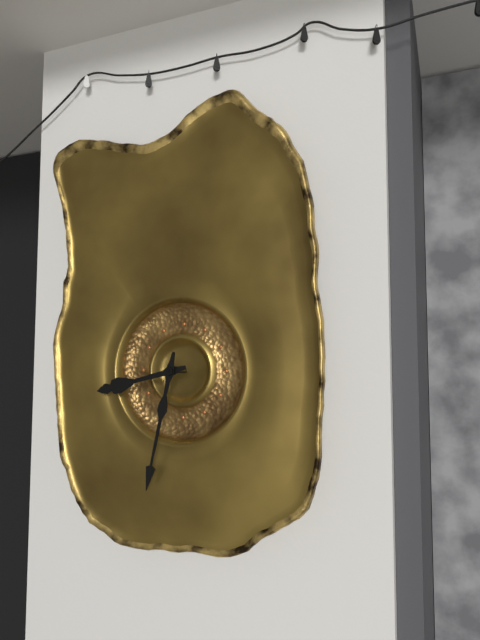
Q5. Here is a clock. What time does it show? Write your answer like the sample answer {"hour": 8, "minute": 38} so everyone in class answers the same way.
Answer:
{"hour": 8, "minute": 32}
